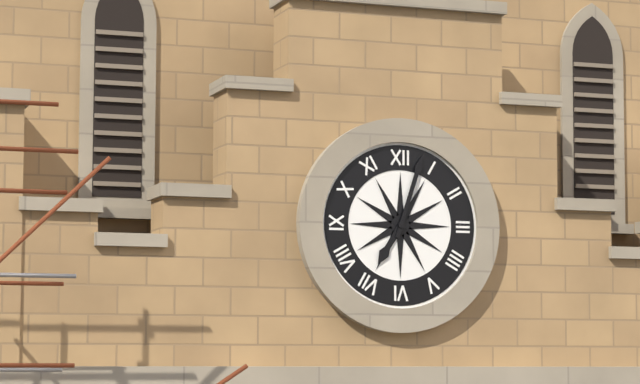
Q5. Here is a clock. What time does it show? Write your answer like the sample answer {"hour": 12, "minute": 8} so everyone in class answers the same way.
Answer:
{"hour": 7, "minute": 3}
